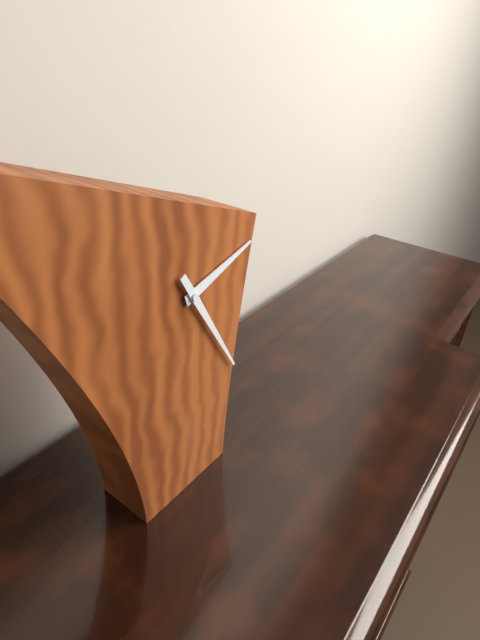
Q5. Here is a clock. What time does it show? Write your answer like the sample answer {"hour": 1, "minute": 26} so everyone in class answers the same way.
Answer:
{"hour": 2, "minute": 25}
